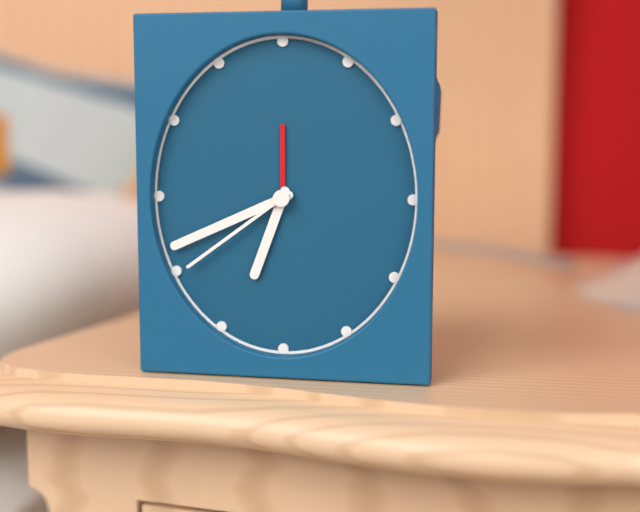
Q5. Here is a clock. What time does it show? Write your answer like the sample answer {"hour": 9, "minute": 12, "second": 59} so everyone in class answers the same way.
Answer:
{"hour": 6, "minute": 41, "second": 39}
